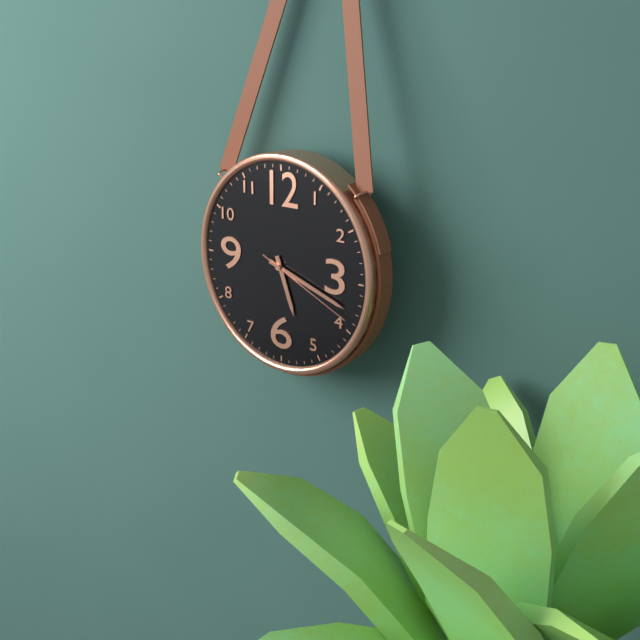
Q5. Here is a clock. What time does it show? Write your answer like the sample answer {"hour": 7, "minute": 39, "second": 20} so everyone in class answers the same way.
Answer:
{"hour": 5, "minute": 18, "second": 19}
